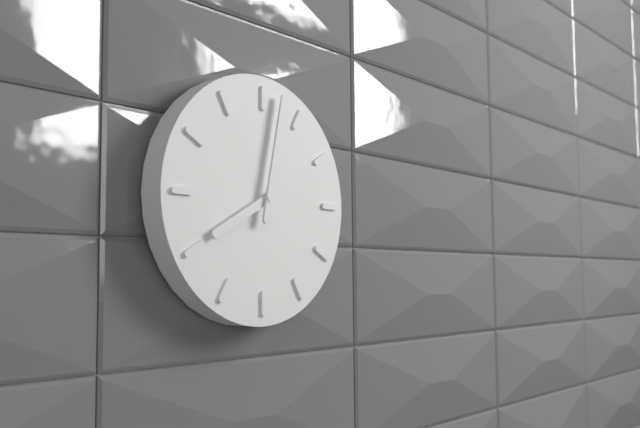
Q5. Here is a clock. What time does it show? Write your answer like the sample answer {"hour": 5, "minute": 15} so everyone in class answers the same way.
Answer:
{"hour": 8, "minute": 2}
